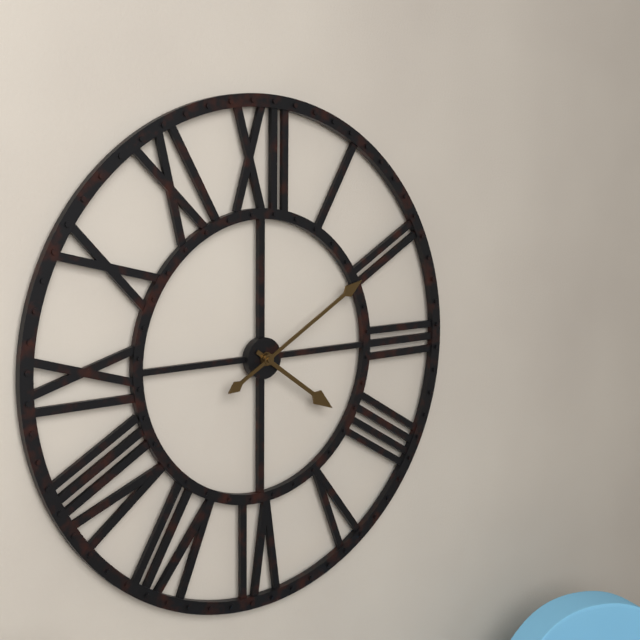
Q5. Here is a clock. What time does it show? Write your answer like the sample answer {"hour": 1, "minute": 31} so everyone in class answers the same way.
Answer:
{"hour": 4, "minute": 10}
